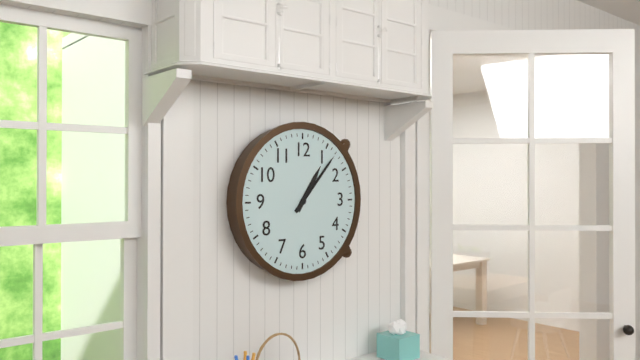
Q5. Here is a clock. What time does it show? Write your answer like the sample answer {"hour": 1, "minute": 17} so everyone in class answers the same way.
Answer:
{"hour": 1, "minute": 7}
